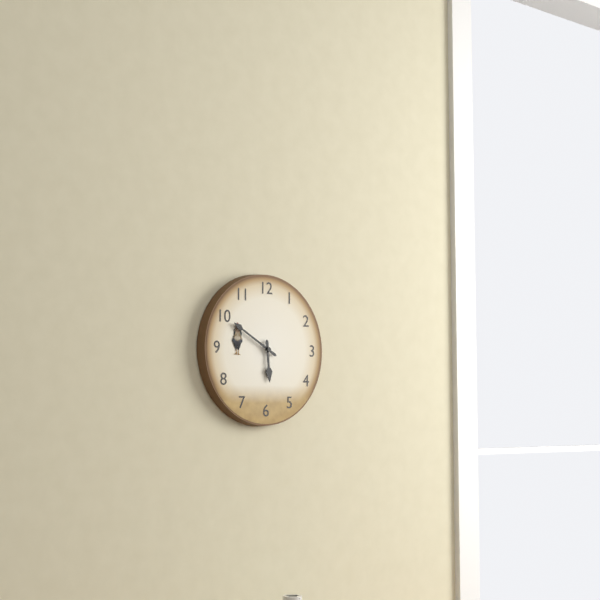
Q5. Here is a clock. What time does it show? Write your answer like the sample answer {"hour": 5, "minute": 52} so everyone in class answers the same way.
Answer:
{"hour": 5, "minute": 50}
